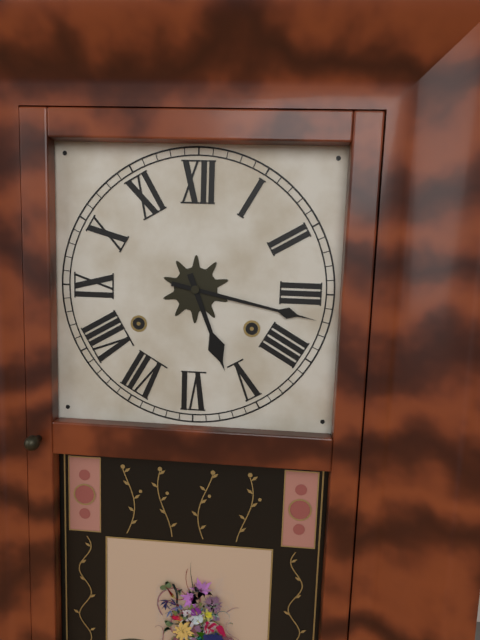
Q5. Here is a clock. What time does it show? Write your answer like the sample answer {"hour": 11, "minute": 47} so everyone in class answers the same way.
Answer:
{"hour": 5, "minute": 17}
